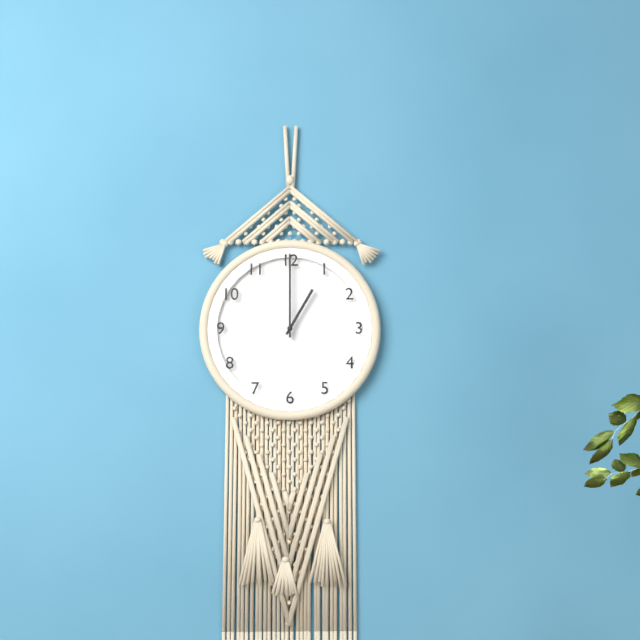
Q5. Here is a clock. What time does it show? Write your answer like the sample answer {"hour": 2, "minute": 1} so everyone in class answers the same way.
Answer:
{"hour": 1, "minute": 0}
